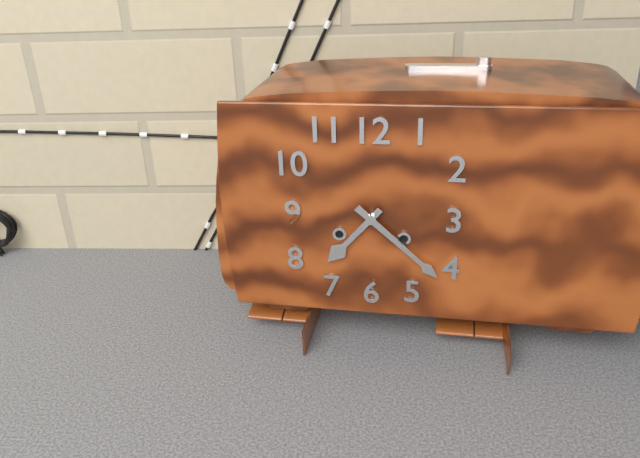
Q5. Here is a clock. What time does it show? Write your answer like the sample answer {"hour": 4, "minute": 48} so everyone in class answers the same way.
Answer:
{"hour": 7, "minute": 22}
